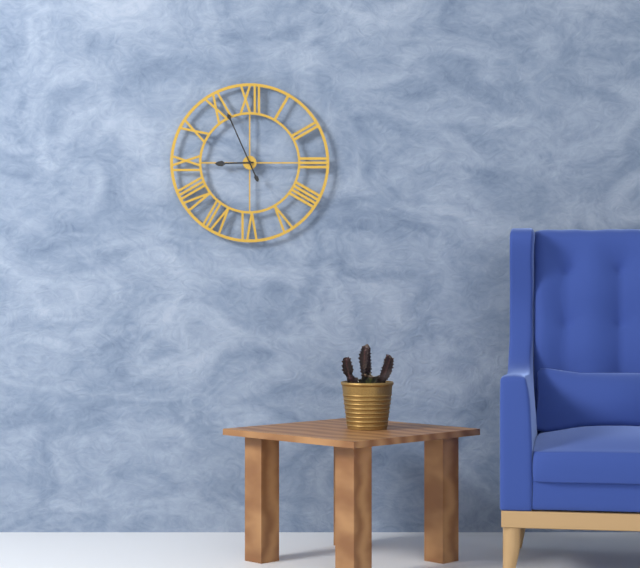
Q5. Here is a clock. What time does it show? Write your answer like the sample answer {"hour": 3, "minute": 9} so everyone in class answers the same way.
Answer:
{"hour": 8, "minute": 56}
